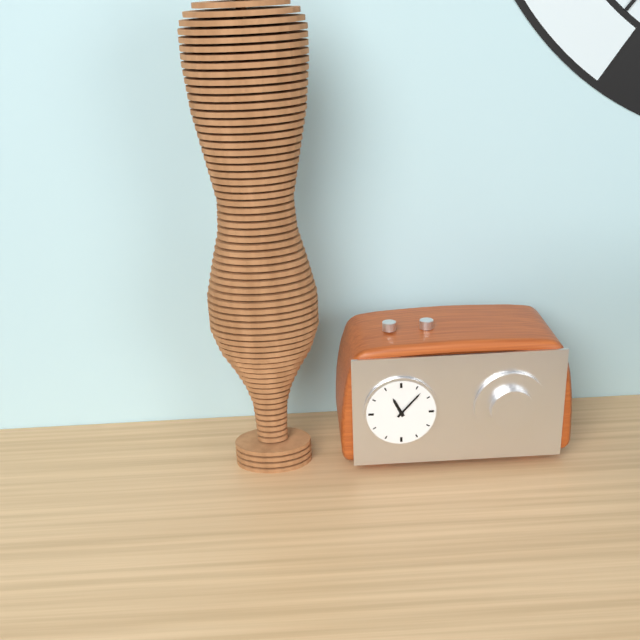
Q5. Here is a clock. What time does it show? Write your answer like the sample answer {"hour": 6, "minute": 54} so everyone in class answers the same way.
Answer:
{"hour": 11, "minute": 7}
